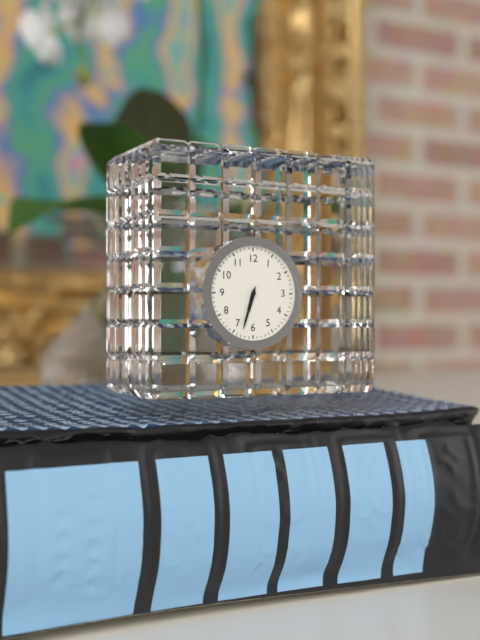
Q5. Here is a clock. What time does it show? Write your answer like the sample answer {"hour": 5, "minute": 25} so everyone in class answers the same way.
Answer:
{"hour": 6, "minute": 33}
